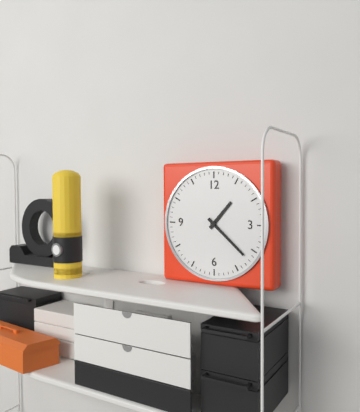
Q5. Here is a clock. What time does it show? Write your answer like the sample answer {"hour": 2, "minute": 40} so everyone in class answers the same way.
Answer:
{"hour": 1, "minute": 22}
